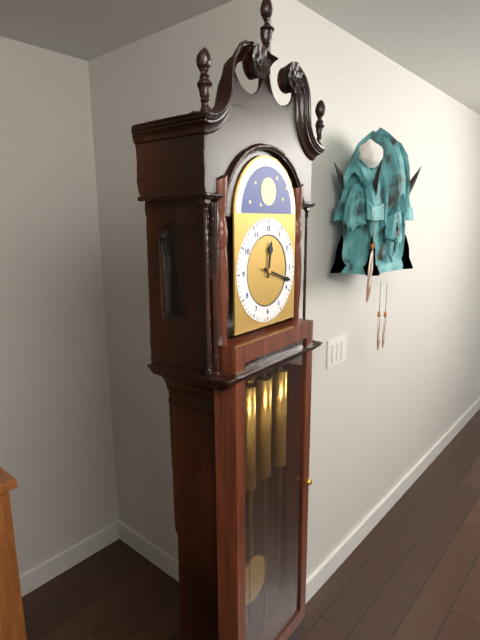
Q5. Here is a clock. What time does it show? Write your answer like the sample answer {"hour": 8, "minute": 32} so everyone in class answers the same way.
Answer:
{"hour": 12, "minute": 18}
